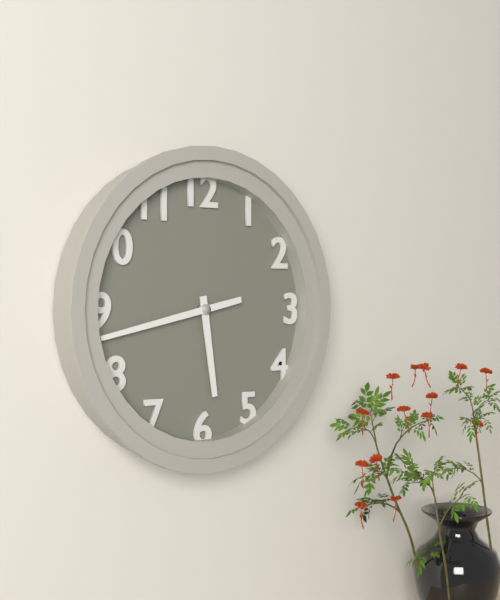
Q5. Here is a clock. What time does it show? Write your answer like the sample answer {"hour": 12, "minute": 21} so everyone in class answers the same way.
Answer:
{"hour": 5, "minute": 43}
